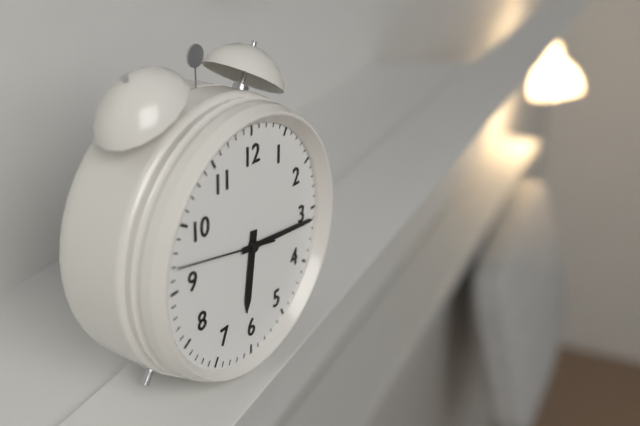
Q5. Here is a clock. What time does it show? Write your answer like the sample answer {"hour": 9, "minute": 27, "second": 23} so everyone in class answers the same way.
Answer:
{"hour": 6, "minute": 16, "second": 47}
